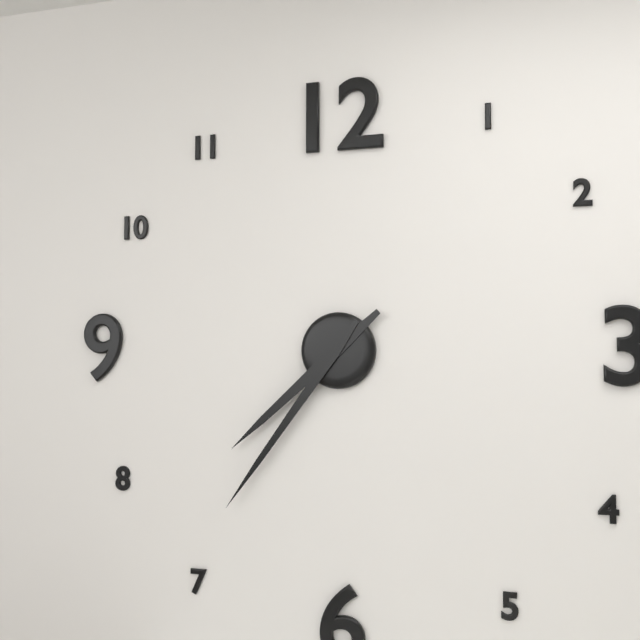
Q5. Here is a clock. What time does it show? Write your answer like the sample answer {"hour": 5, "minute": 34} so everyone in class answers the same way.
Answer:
{"hour": 7, "minute": 36}
